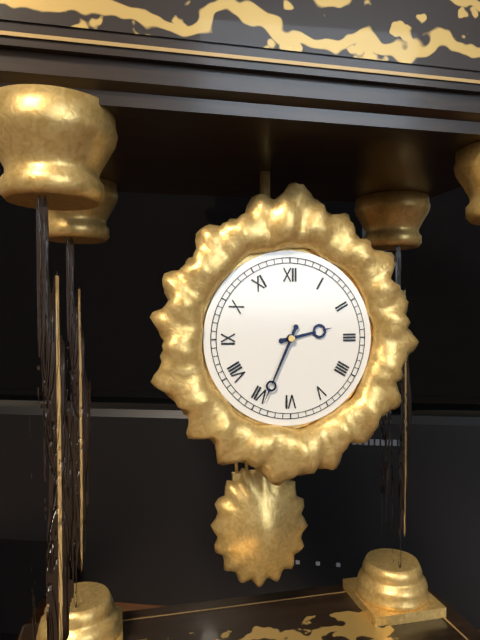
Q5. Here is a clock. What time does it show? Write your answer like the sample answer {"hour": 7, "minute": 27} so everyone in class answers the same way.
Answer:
{"hour": 2, "minute": 34}
